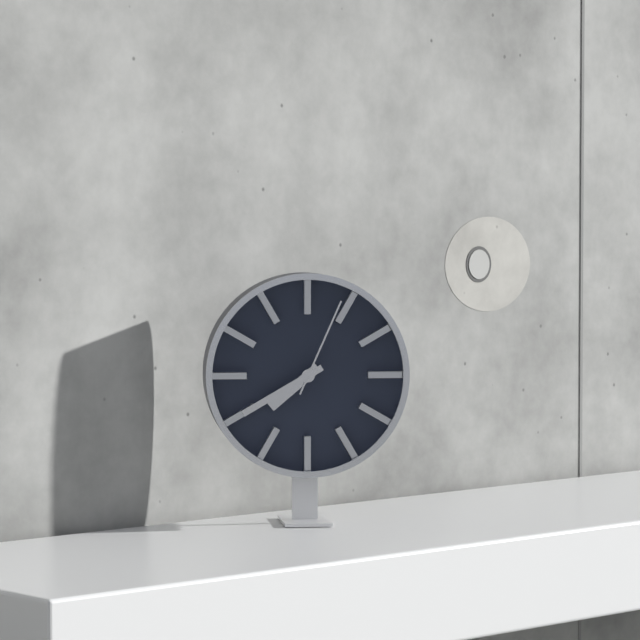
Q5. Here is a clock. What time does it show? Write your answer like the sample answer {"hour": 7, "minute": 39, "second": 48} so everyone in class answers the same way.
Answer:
{"hour": 7, "minute": 40, "second": 4}
